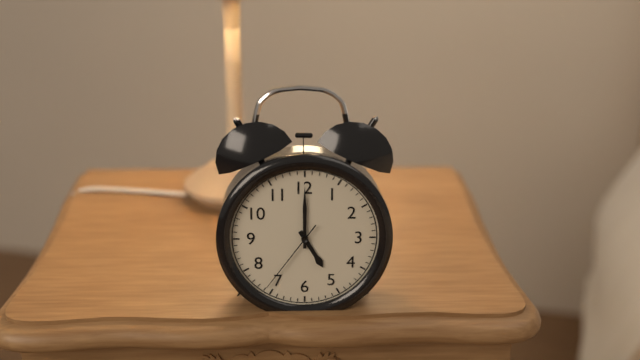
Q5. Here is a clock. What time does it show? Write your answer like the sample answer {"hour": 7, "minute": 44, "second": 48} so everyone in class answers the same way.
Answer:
{"hour": 5, "minute": 0, "second": 36}
